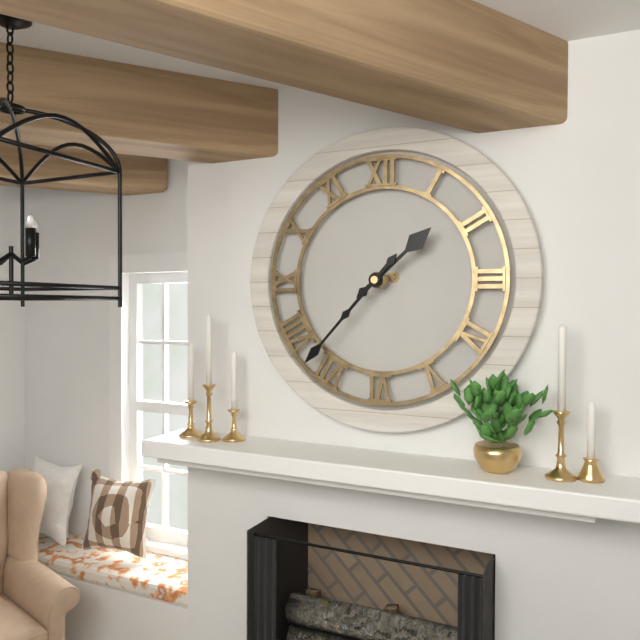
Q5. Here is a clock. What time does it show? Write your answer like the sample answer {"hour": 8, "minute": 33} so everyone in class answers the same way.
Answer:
{"hour": 1, "minute": 37}
